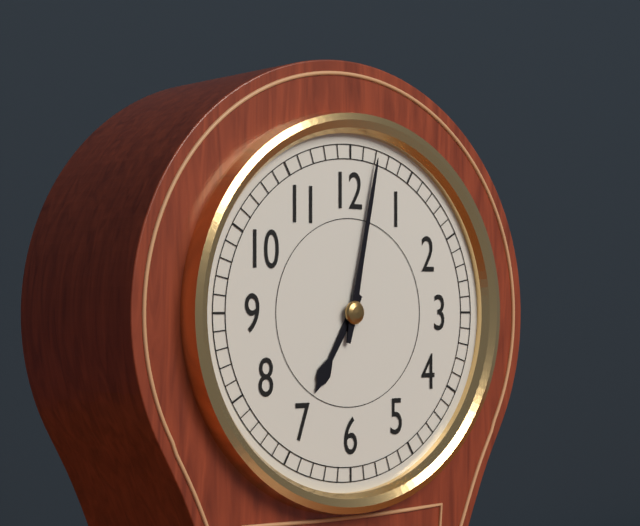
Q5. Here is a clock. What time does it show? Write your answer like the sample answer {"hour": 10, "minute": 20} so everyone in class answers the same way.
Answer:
{"hour": 7, "minute": 2}
